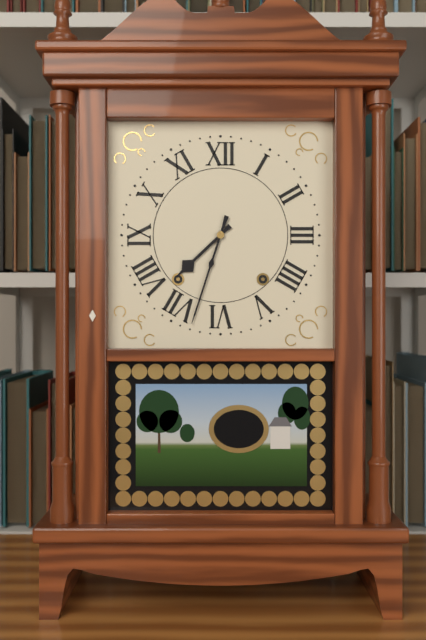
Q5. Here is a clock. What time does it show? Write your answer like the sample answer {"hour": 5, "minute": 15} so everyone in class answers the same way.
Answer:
{"hour": 7, "minute": 33}
